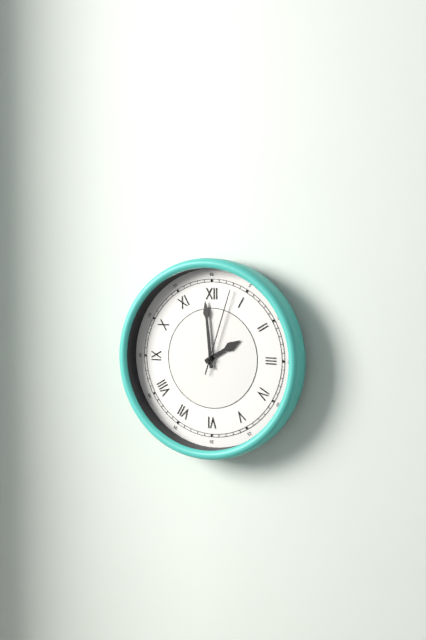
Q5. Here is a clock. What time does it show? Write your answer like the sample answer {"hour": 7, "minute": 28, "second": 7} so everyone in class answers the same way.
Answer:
{"hour": 1, "minute": 59, "second": 3}
